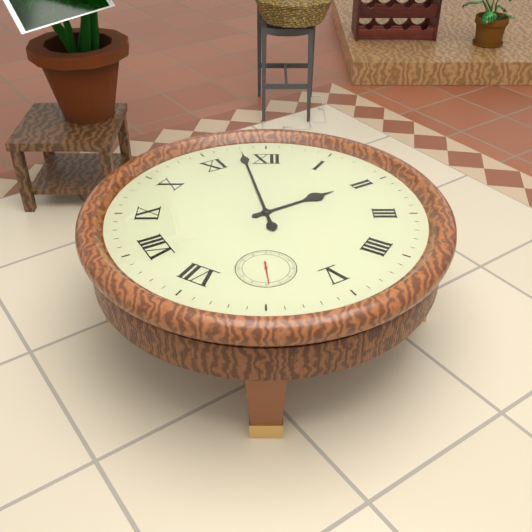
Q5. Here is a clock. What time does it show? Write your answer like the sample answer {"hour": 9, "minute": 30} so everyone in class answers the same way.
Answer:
{"hour": 1, "minute": 58}
